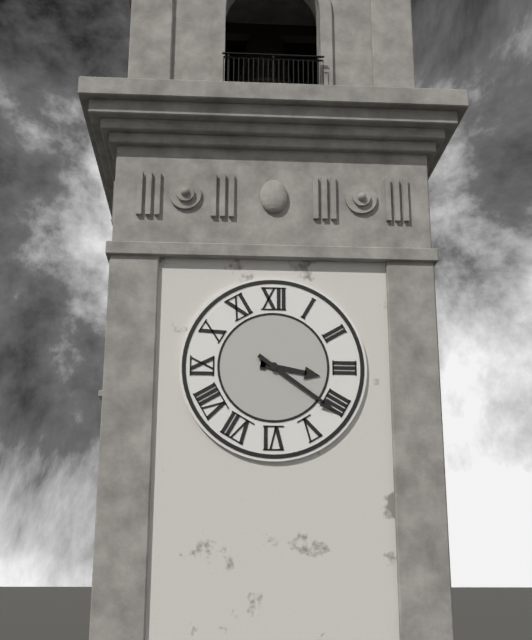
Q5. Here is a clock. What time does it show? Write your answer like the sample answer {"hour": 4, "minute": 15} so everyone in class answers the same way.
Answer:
{"hour": 3, "minute": 21}
